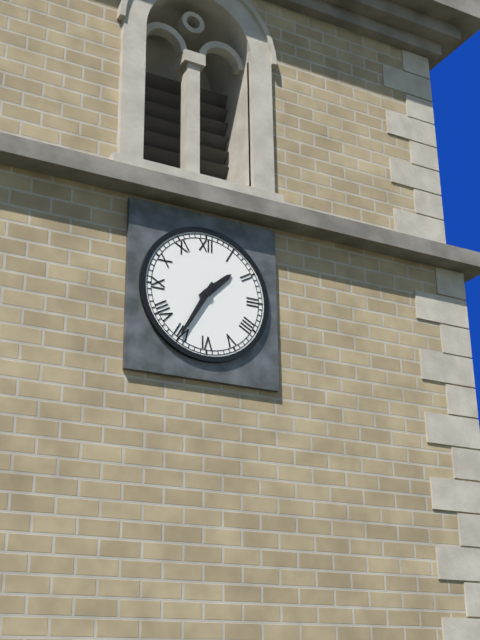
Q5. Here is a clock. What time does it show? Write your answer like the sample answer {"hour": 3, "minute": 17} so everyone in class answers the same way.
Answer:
{"hour": 1, "minute": 35}
